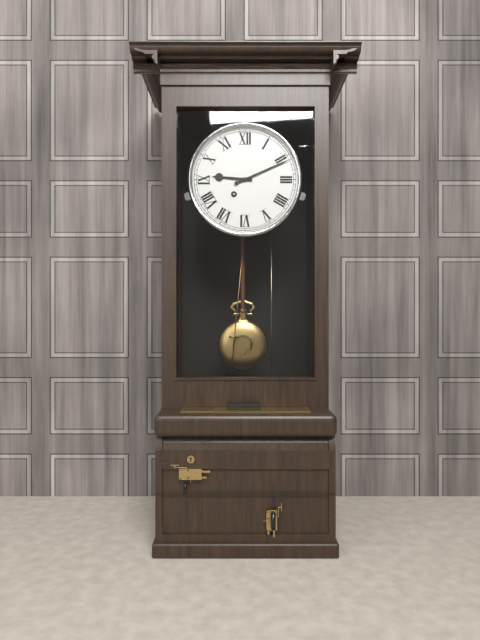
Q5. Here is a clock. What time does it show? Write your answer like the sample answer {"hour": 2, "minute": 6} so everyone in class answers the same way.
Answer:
{"hour": 9, "minute": 11}
